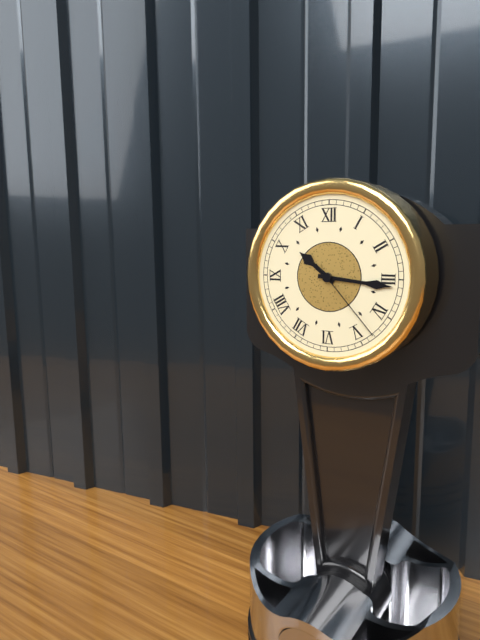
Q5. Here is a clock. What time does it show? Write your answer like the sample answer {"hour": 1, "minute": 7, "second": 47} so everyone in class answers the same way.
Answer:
{"hour": 10, "minute": 16, "second": 23}
